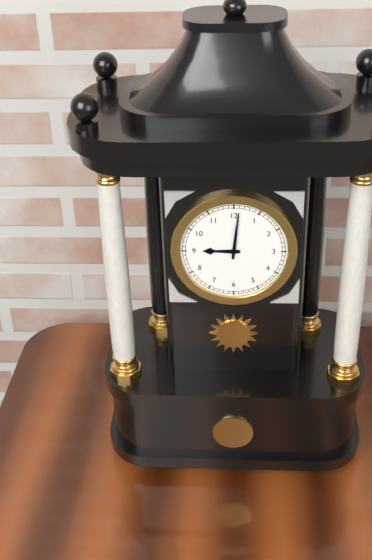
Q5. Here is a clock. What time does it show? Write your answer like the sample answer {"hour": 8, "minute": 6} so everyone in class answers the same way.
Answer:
{"hour": 9, "minute": 1}
